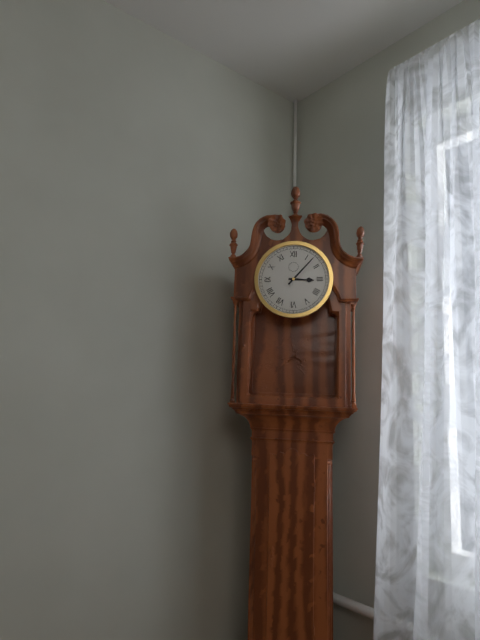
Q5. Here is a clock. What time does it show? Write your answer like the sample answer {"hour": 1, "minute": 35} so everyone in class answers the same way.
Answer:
{"hour": 3, "minute": 7}
